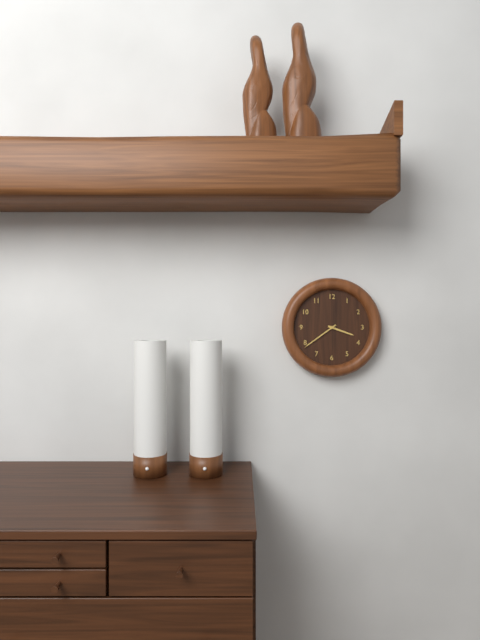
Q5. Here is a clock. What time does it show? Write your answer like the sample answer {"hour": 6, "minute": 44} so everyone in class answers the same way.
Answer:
{"hour": 3, "minute": 39}
